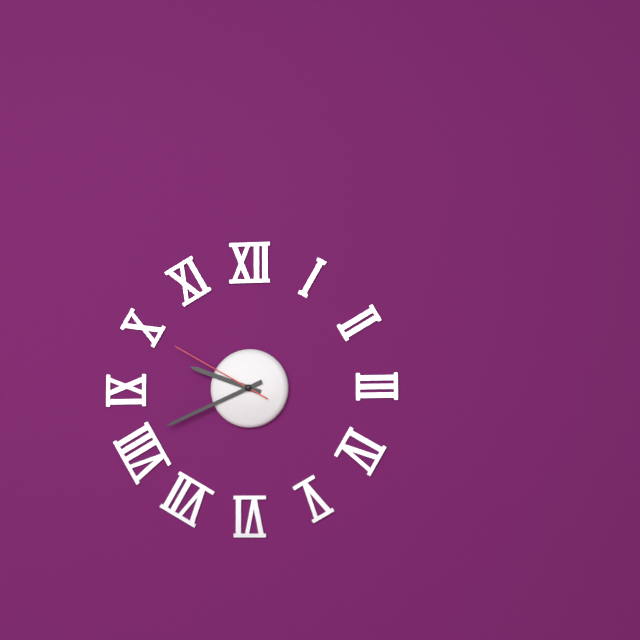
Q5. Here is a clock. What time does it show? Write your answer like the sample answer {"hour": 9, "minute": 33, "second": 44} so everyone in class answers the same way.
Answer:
{"hour": 9, "minute": 41, "second": 50}
